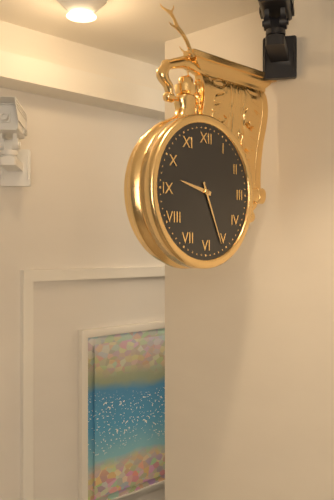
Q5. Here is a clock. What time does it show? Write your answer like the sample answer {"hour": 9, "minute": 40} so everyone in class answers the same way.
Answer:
{"hour": 9, "minute": 26}
